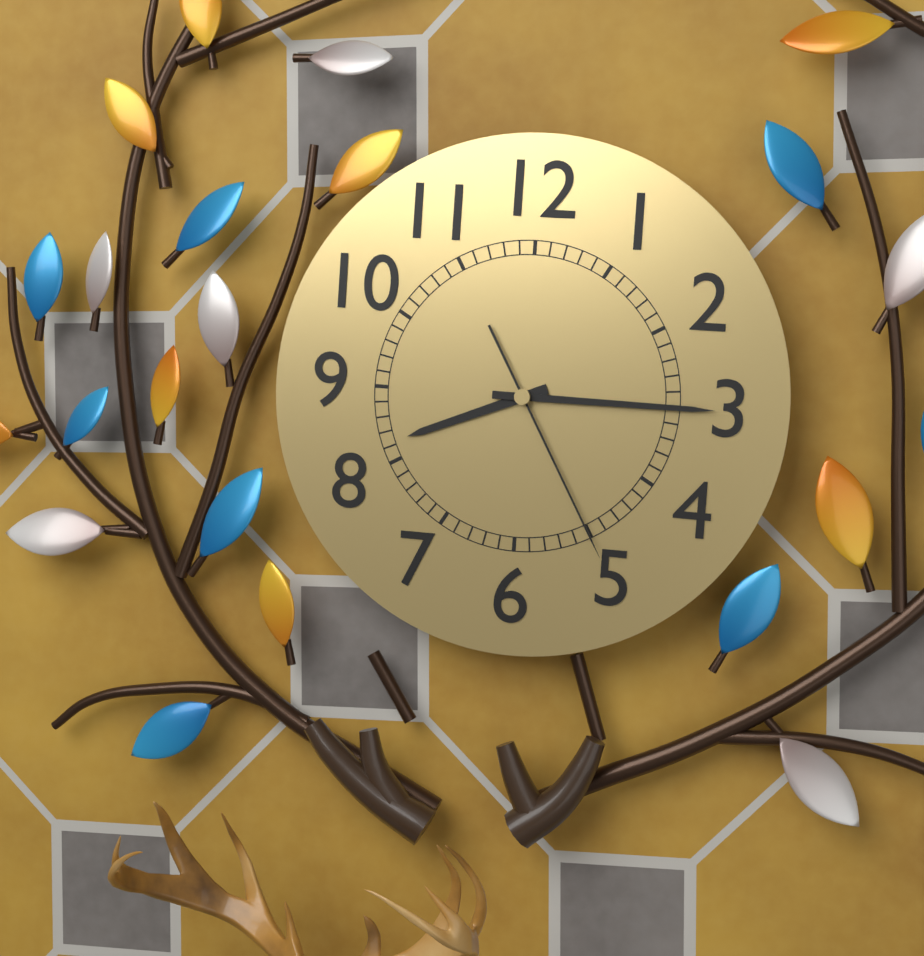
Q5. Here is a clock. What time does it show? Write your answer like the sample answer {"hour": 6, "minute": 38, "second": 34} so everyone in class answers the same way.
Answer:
{"hour": 8, "minute": 15, "second": 25}
